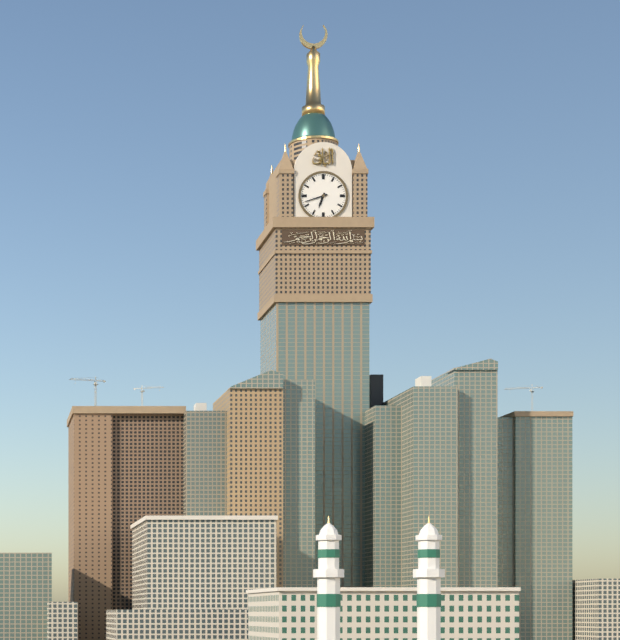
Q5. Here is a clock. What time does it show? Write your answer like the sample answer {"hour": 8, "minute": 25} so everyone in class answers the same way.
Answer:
{"hour": 6, "minute": 42}
